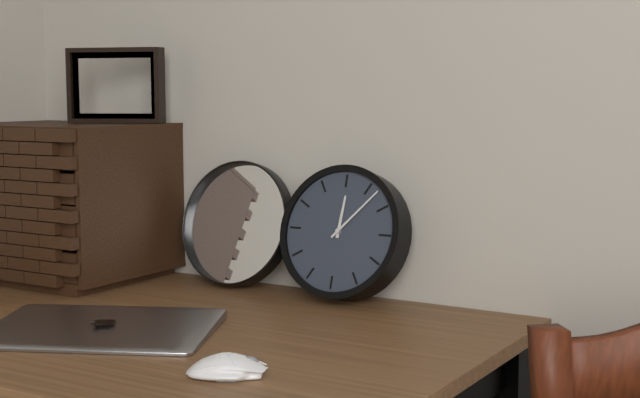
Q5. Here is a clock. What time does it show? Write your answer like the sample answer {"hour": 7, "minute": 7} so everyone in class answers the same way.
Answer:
{"hour": 12, "minute": 7}
